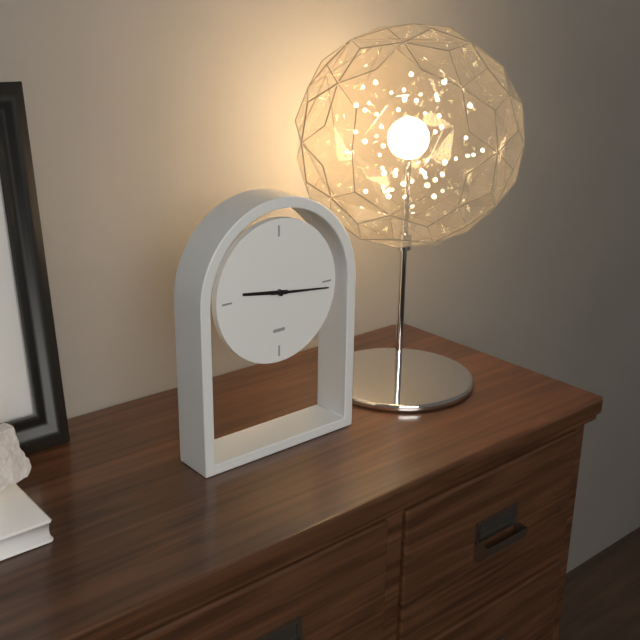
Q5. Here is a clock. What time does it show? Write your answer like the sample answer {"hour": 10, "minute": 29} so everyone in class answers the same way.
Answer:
{"hour": 9, "minute": 16}
